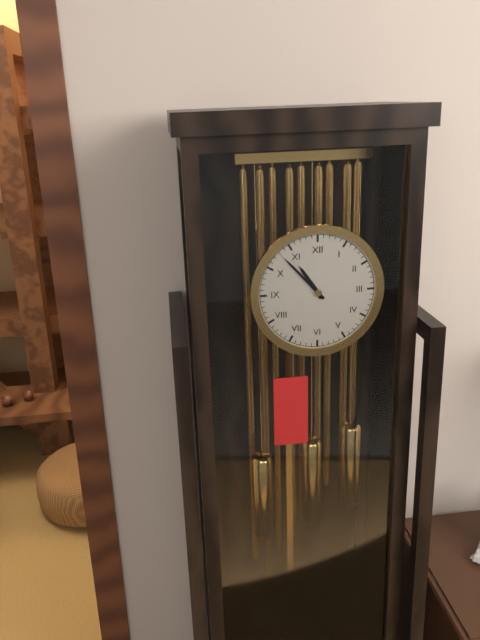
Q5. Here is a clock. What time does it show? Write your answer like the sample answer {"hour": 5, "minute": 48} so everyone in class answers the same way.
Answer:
{"hour": 10, "minute": 53}
